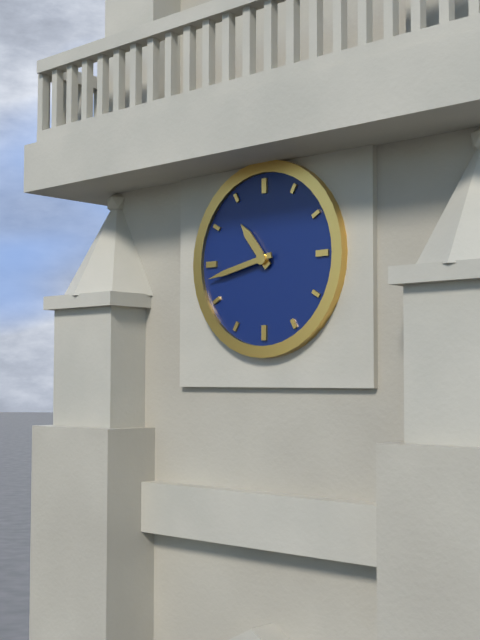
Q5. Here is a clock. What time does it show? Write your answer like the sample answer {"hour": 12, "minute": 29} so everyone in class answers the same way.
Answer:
{"hour": 10, "minute": 43}
